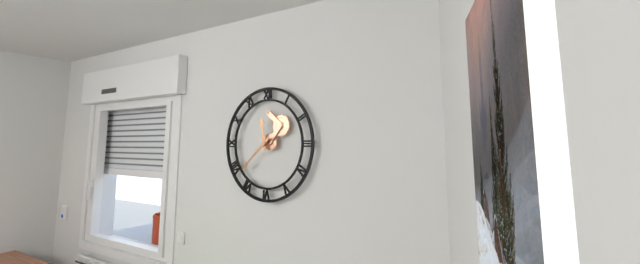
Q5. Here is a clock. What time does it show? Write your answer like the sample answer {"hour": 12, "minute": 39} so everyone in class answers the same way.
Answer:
{"hour": 11, "minute": 38}
